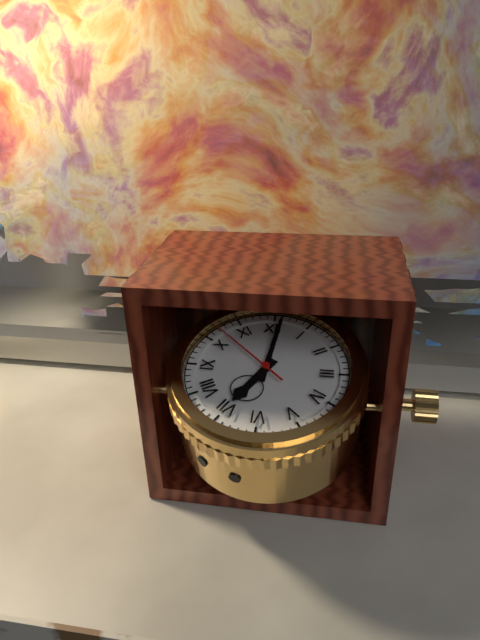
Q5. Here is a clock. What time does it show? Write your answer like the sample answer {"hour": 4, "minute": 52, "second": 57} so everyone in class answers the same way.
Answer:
{"hour": 7, "minute": 1, "second": 52}
